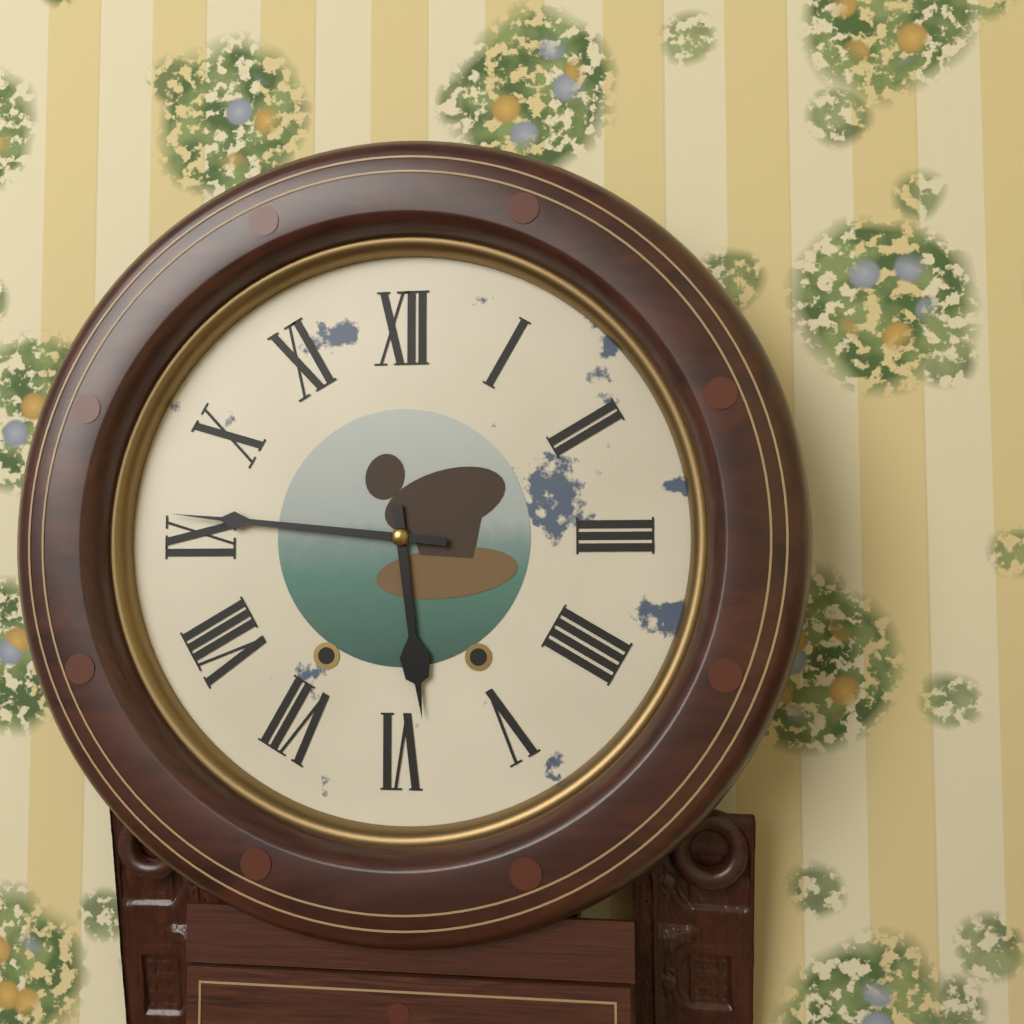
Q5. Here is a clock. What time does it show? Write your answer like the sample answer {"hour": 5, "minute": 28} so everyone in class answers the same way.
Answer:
{"hour": 5, "minute": 46}
